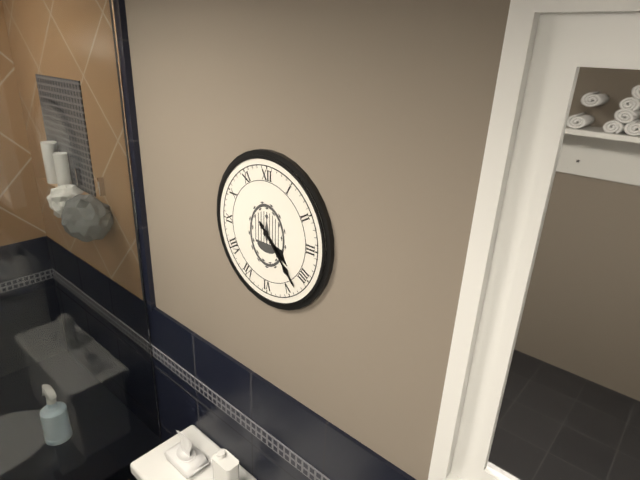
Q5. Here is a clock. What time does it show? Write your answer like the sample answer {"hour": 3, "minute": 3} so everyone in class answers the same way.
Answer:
{"hour": 4, "minute": 23}
